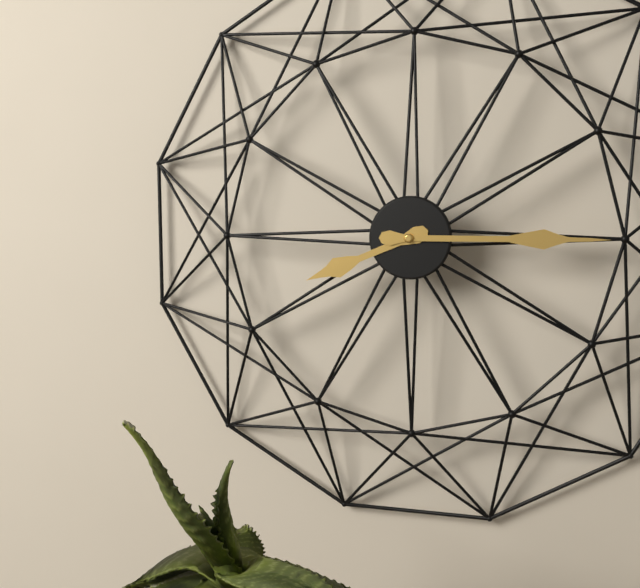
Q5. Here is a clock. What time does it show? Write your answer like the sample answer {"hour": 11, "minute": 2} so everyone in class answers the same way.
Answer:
{"hour": 8, "minute": 15}
